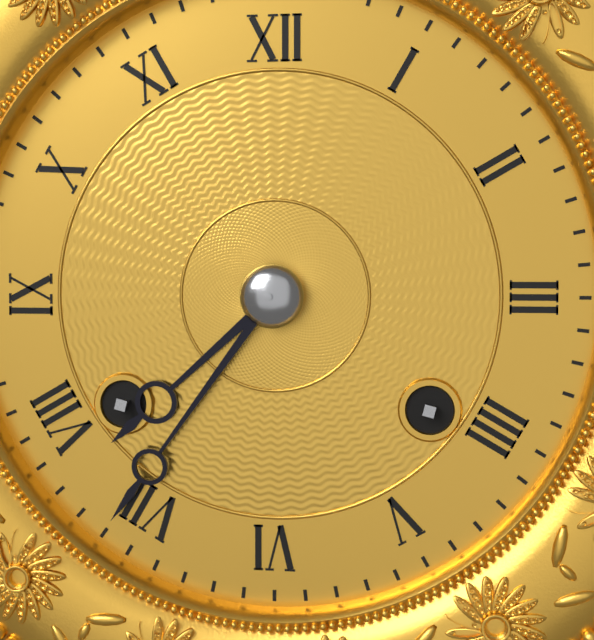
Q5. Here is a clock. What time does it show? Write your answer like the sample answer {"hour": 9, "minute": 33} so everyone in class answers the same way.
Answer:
{"hour": 7, "minute": 36}
